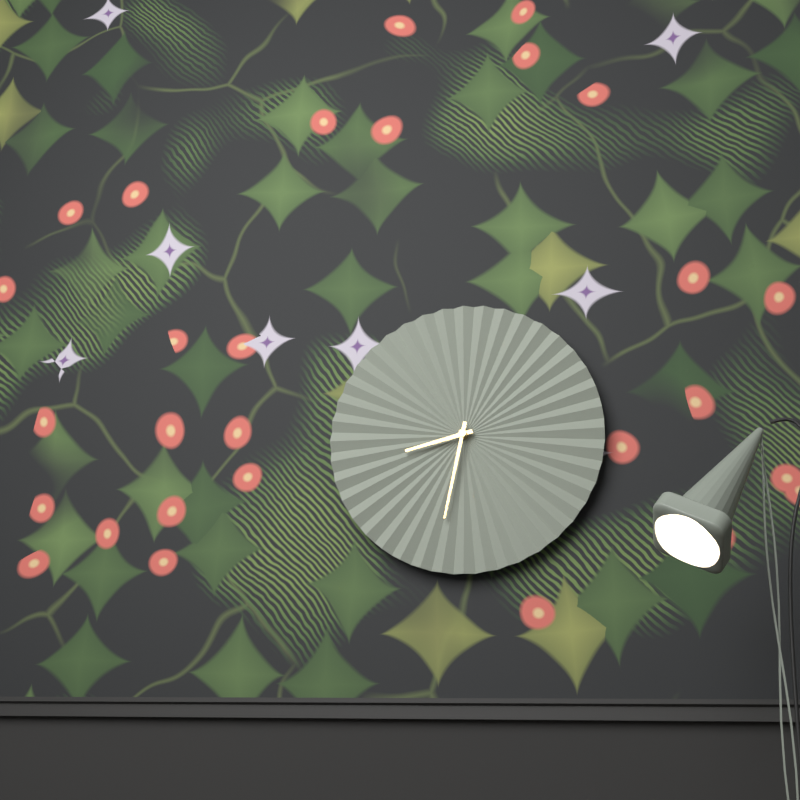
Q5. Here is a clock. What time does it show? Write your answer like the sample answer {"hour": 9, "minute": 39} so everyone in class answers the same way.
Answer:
{"hour": 8, "minute": 32}
